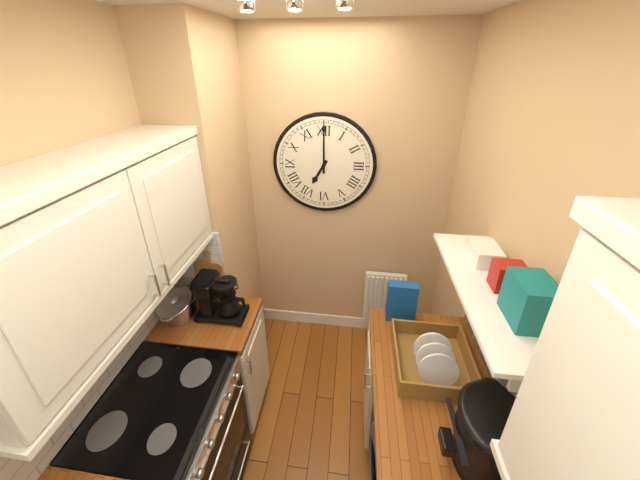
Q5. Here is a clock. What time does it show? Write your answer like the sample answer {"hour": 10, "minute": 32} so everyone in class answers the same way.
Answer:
{"hour": 7, "minute": 0}
